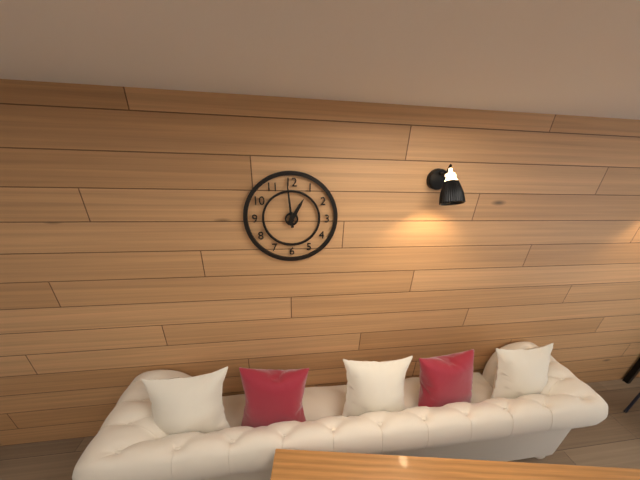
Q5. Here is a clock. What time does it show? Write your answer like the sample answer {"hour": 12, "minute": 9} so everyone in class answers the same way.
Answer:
{"hour": 12, "minute": 59}
